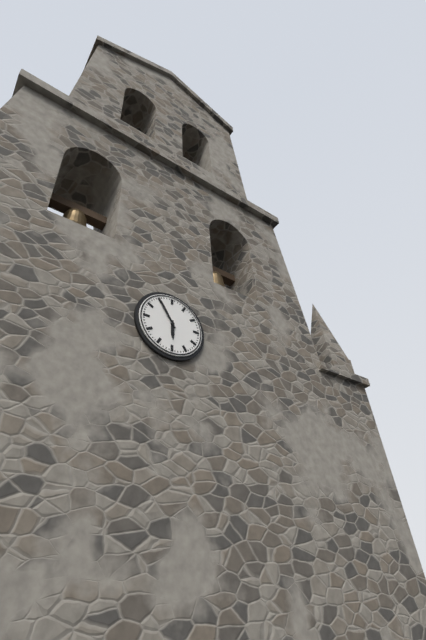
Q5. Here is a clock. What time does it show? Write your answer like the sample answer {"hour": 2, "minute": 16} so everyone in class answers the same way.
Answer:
{"hour": 5, "minute": 55}
